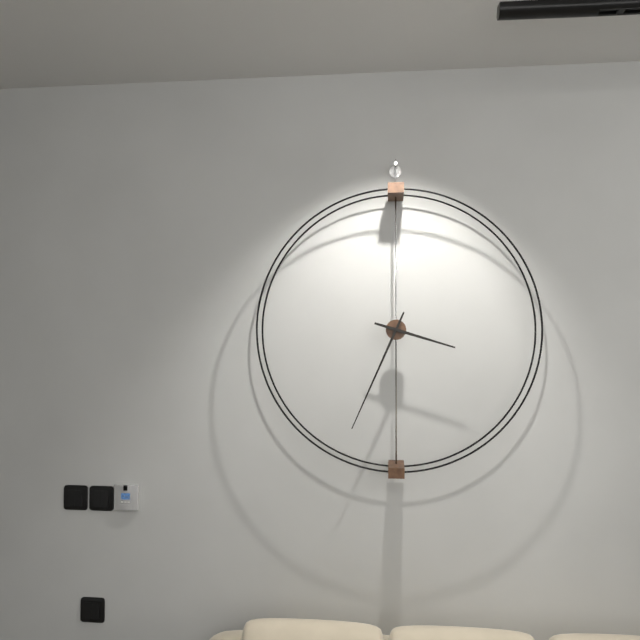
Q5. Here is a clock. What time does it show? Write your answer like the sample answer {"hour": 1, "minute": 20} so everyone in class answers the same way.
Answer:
{"hour": 3, "minute": 34}
